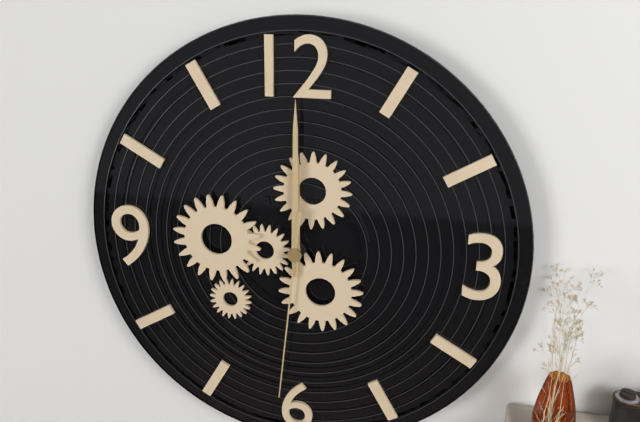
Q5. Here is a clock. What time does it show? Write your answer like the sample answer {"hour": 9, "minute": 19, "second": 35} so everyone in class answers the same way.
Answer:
{"hour": 12, "minute": 0, "second": 31}
